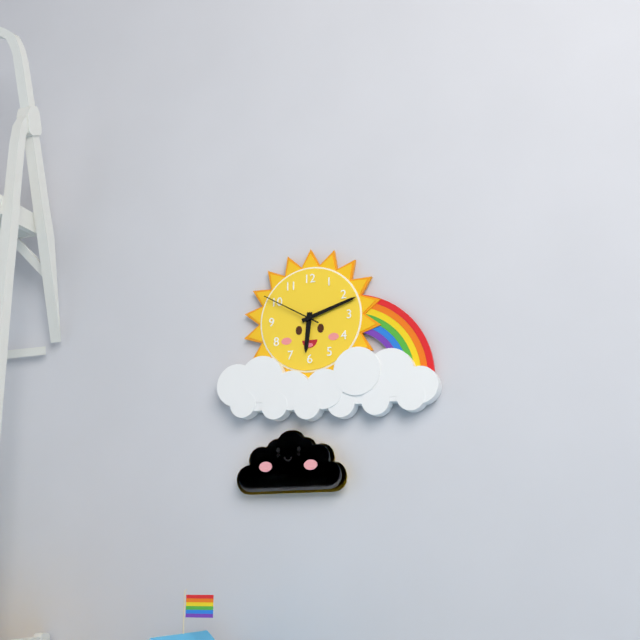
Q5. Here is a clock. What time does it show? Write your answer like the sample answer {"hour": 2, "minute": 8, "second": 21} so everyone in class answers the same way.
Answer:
{"hour": 6, "minute": 12, "second": 50}
